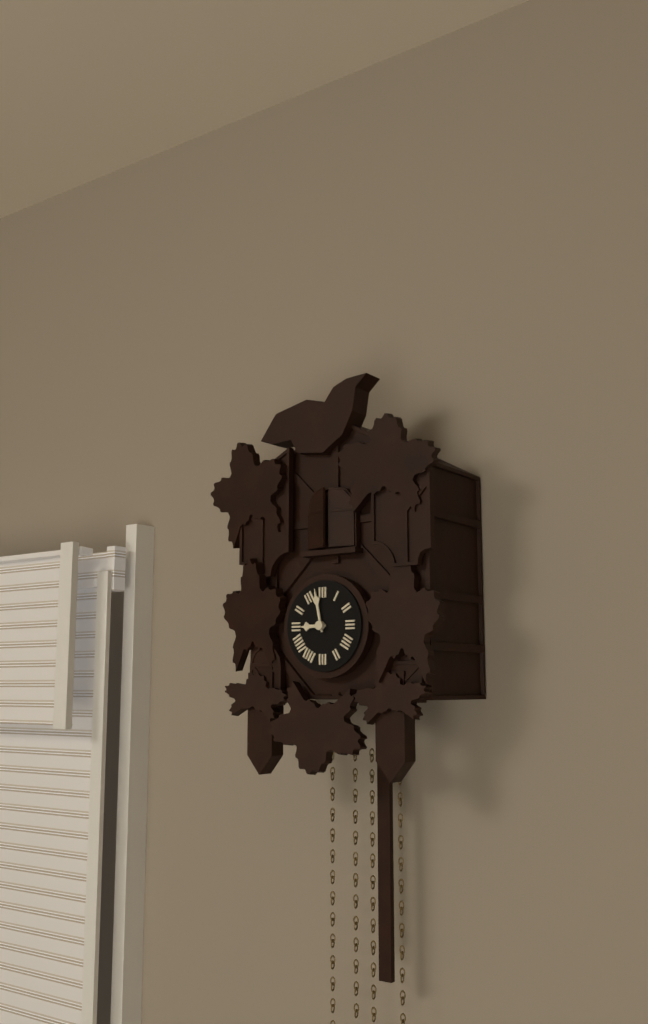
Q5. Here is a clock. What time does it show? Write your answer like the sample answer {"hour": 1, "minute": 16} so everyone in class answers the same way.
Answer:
{"hour": 8, "minute": 58}
